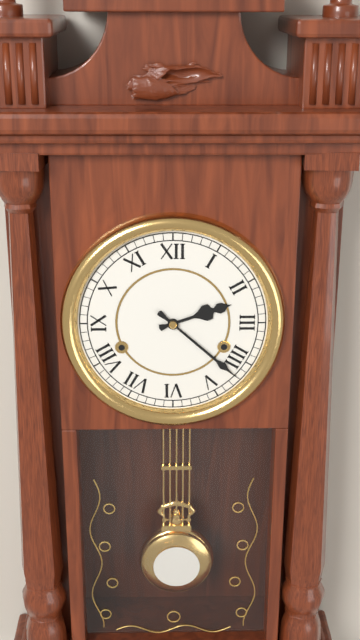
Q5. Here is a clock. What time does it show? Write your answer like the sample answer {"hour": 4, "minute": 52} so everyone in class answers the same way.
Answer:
{"hour": 2, "minute": 22}
